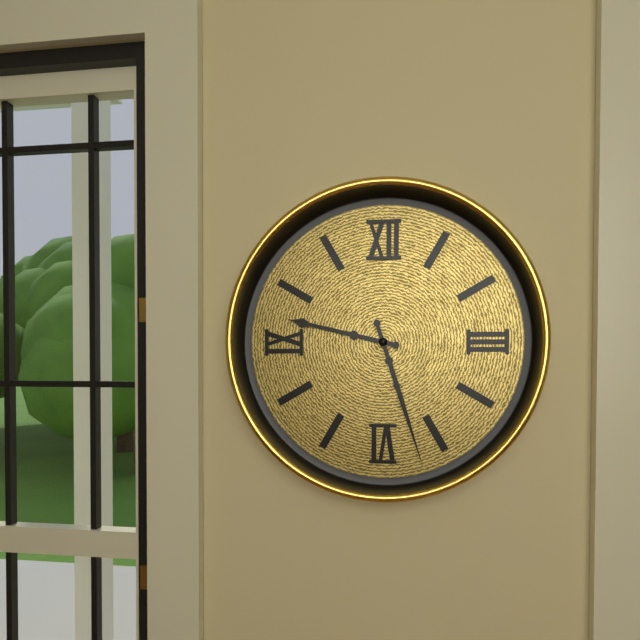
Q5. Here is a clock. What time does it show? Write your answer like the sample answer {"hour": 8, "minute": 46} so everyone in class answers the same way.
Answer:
{"hour": 9, "minute": 27}
